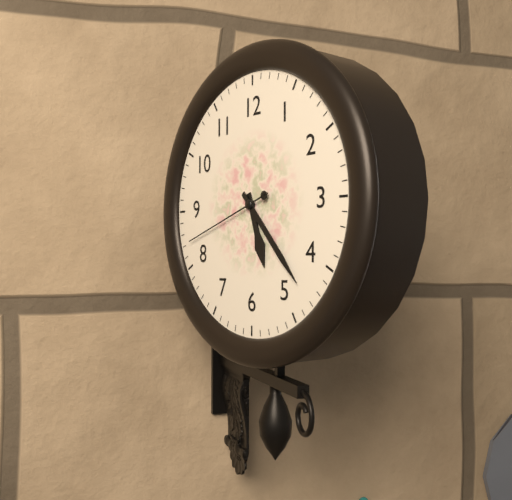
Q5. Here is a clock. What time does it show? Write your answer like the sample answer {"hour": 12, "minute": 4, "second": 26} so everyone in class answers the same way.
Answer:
{"hour": 5, "minute": 23, "second": 42}
